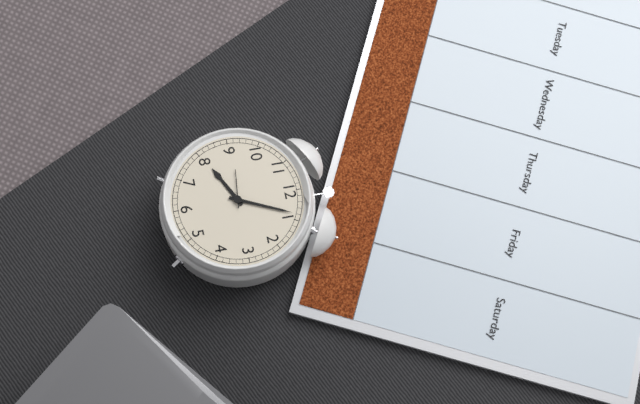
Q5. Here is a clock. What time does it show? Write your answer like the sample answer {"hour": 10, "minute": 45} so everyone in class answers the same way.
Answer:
{"hour": 8, "minute": 4}
